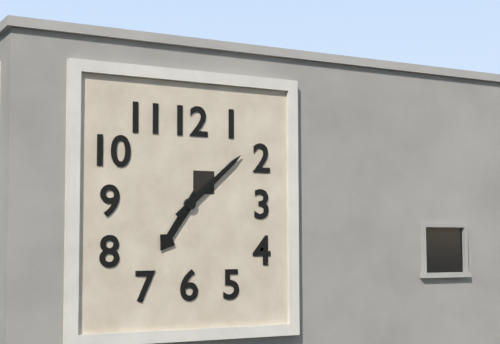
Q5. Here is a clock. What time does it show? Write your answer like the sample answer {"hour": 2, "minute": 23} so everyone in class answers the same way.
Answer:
{"hour": 7, "minute": 8}
